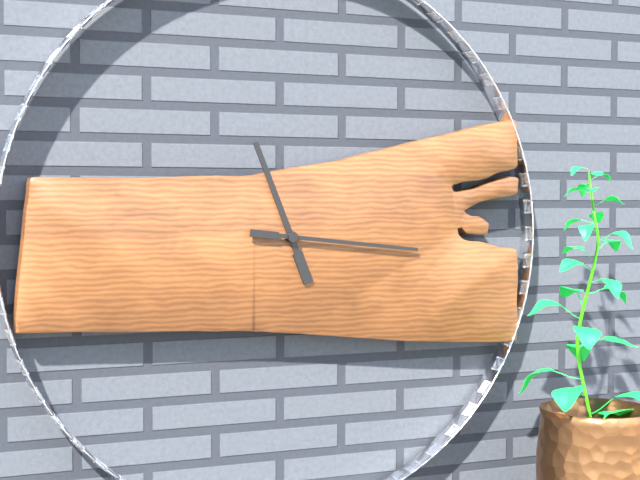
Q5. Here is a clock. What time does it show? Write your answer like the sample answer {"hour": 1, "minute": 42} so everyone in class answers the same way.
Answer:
{"hour": 11, "minute": 16}
